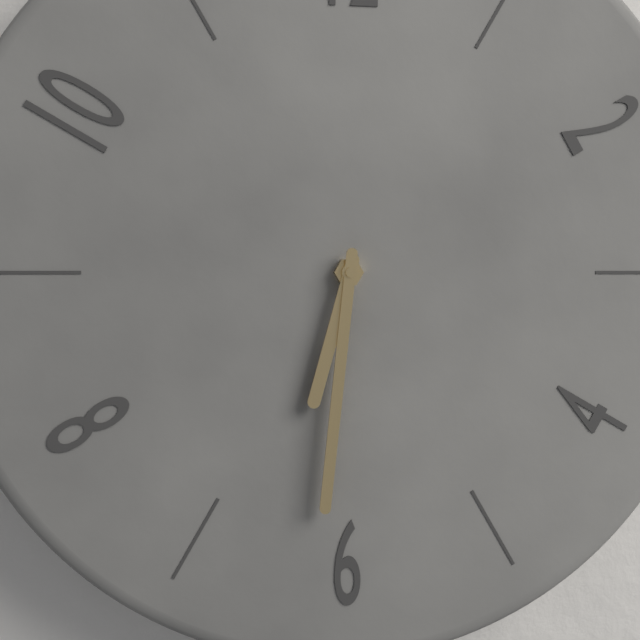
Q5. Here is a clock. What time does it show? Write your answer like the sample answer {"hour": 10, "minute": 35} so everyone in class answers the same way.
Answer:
{"hour": 6, "minute": 31}
